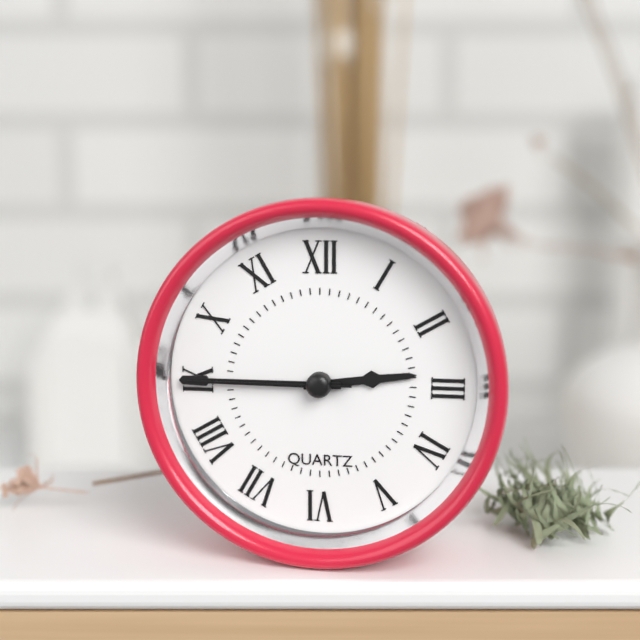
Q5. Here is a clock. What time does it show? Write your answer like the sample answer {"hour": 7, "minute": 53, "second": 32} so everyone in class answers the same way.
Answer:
{"hour": 2, "minute": 45, "second": 45}
